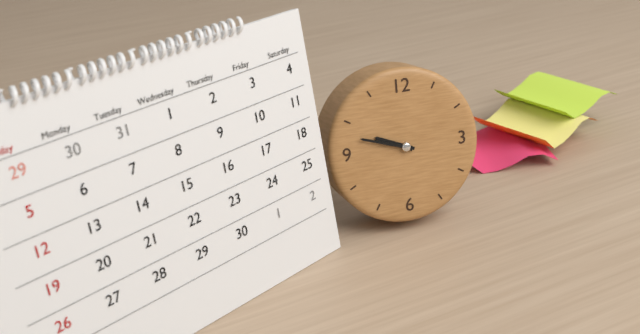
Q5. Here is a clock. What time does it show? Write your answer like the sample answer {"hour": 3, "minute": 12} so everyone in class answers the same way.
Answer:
{"hour": 9, "minute": 48}
